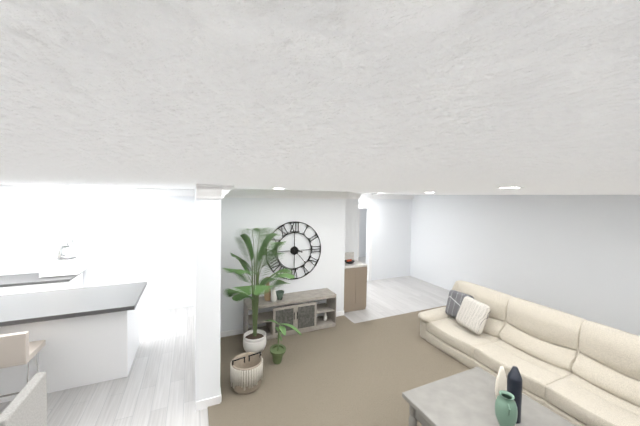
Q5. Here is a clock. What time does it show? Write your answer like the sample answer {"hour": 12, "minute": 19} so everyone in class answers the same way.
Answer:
{"hour": 3, "minute": 23}
